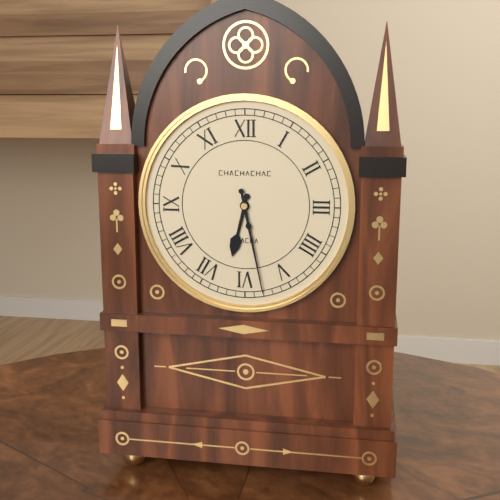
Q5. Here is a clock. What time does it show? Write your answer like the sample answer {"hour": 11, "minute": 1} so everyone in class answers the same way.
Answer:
{"hour": 6, "minute": 28}
